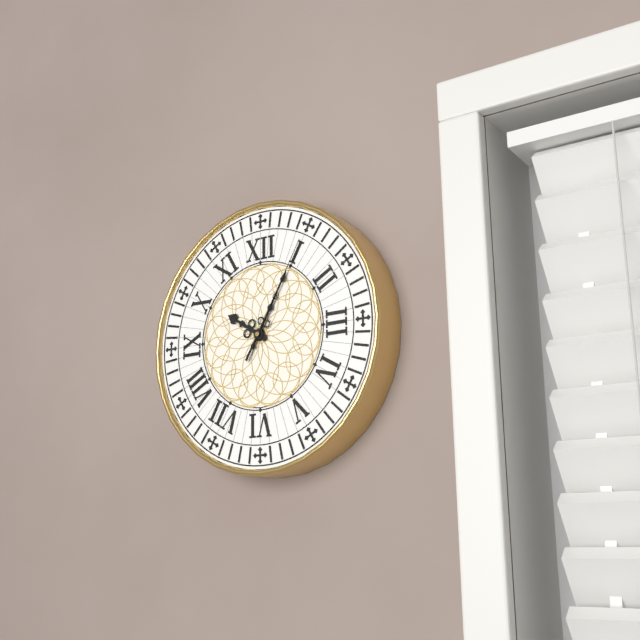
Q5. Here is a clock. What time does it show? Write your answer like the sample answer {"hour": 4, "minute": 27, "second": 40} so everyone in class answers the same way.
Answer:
{"hour": 10, "minute": 5, "second": 5}
